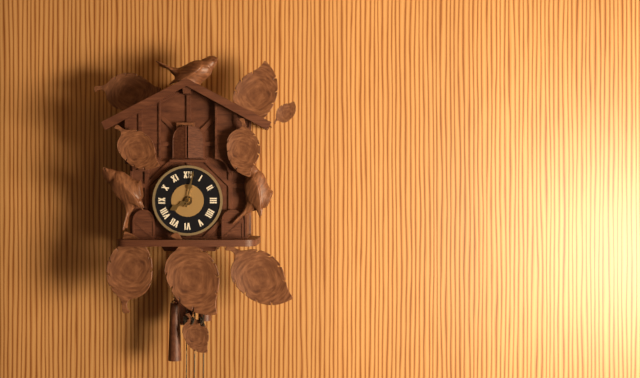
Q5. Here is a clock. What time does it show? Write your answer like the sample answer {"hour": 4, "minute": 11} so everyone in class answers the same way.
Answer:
{"hour": 8, "minute": 2}
